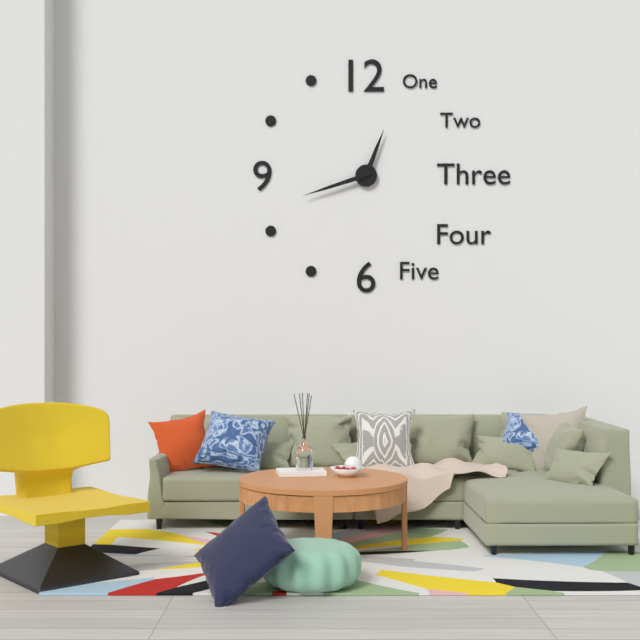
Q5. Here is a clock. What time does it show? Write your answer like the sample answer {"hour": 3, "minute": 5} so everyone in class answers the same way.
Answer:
{"hour": 12, "minute": 42}
